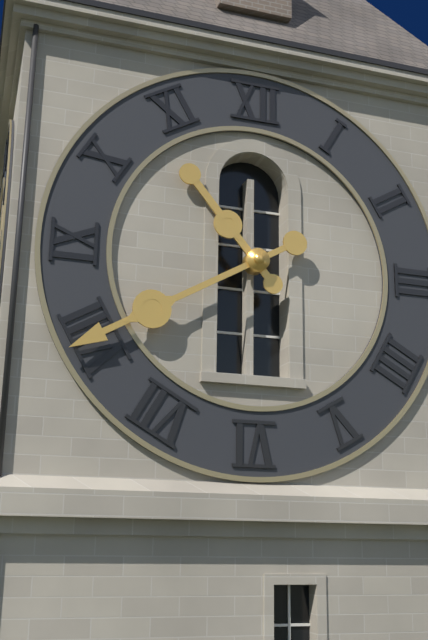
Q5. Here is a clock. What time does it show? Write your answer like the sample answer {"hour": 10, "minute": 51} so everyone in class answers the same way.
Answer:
{"hour": 10, "minute": 40}
